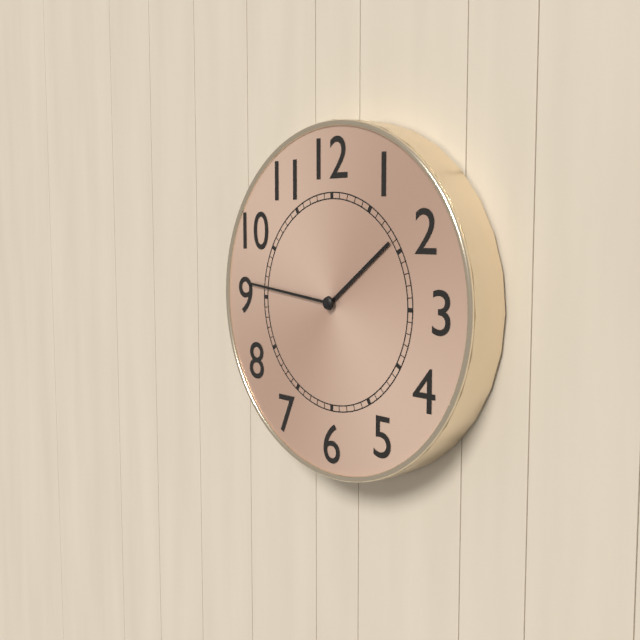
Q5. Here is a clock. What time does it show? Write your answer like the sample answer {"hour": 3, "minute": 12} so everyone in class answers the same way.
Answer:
{"hour": 1, "minute": 46}
